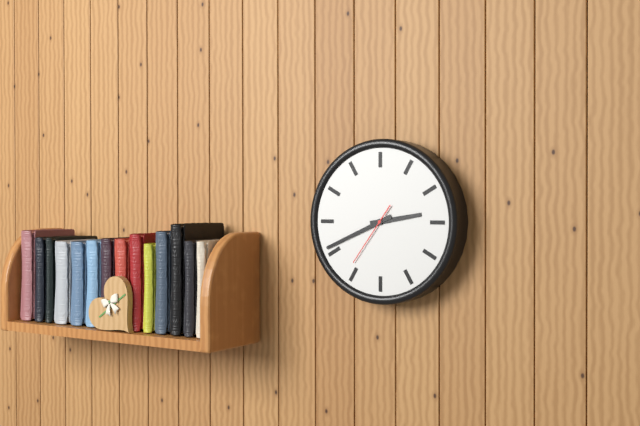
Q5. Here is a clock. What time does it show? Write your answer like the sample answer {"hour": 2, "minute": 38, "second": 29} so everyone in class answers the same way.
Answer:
{"hour": 2, "minute": 41, "second": 36}
